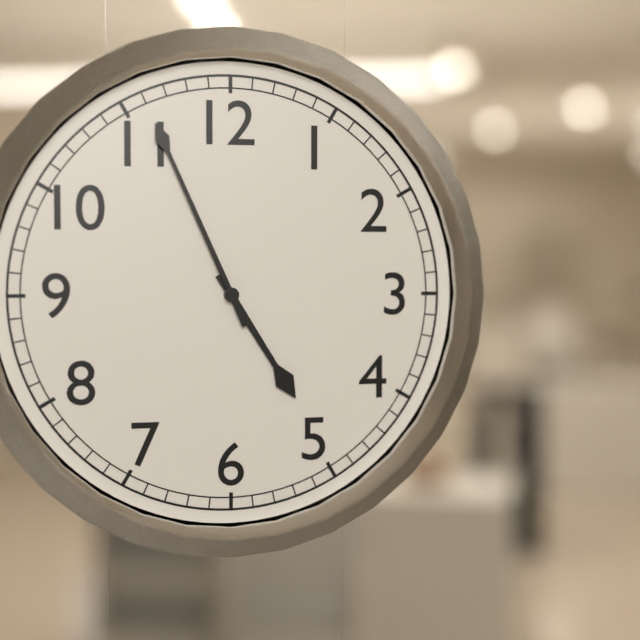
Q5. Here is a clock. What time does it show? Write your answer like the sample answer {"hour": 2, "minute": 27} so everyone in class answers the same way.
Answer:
{"hour": 4, "minute": 56}
